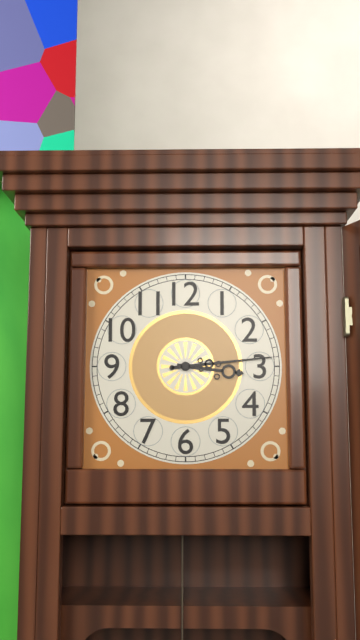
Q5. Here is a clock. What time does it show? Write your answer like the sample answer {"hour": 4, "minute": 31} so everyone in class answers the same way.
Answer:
{"hour": 3, "minute": 14}
